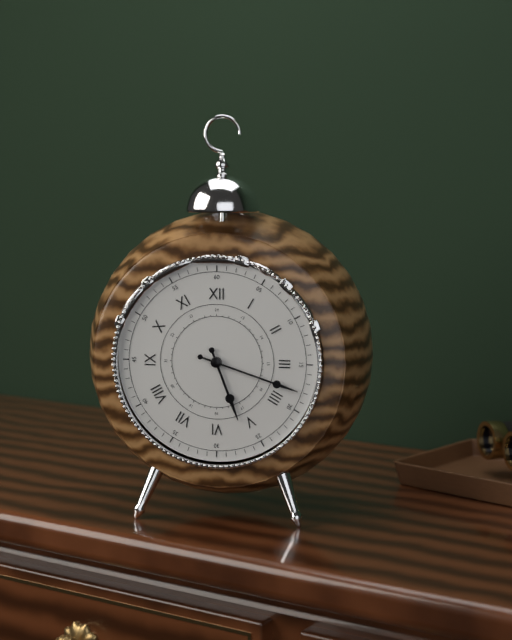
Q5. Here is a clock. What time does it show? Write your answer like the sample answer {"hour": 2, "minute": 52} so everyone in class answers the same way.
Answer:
{"hour": 5, "minute": 18}
